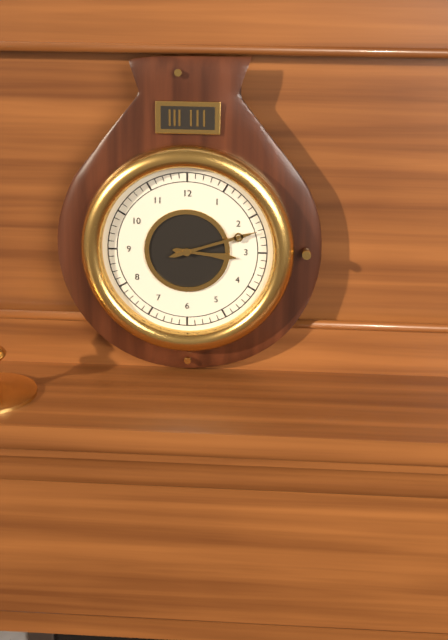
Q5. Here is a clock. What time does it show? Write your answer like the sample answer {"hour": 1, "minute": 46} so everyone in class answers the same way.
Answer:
{"hour": 3, "minute": 12}
